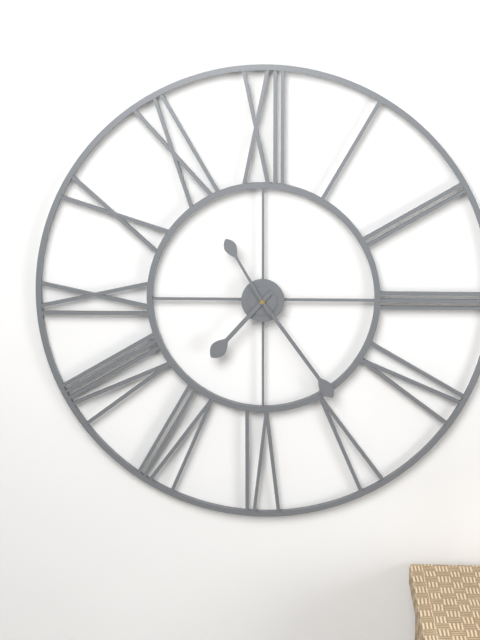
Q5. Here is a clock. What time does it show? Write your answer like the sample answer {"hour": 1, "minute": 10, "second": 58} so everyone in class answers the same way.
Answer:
{"hour": 7, "minute": 24, "second": 55}
